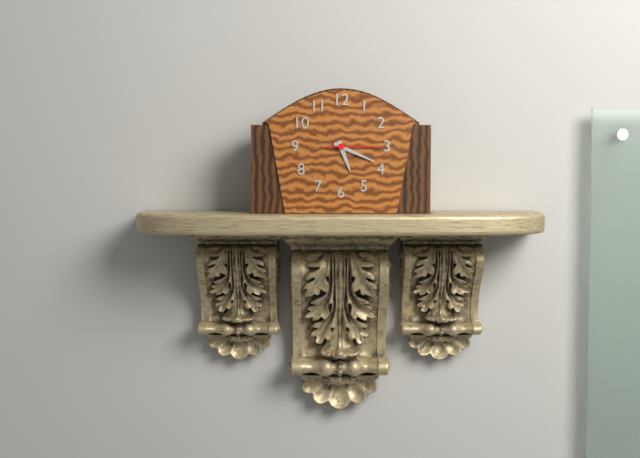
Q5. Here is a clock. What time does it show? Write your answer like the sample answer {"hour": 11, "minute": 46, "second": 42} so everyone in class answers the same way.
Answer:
{"hour": 5, "minute": 19, "second": 15}
